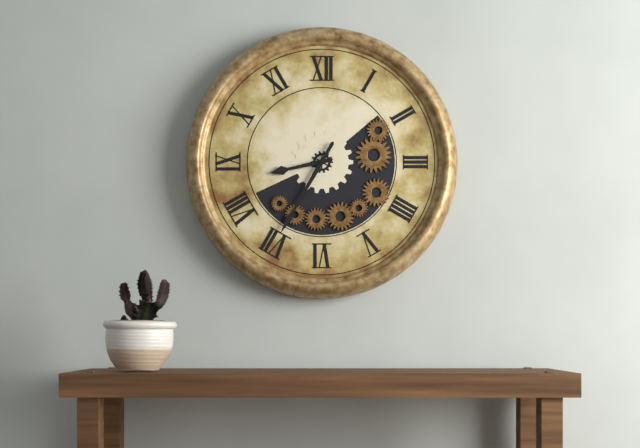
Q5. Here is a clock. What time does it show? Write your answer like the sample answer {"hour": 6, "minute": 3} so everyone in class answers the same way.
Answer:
{"hour": 8, "minute": 35}
